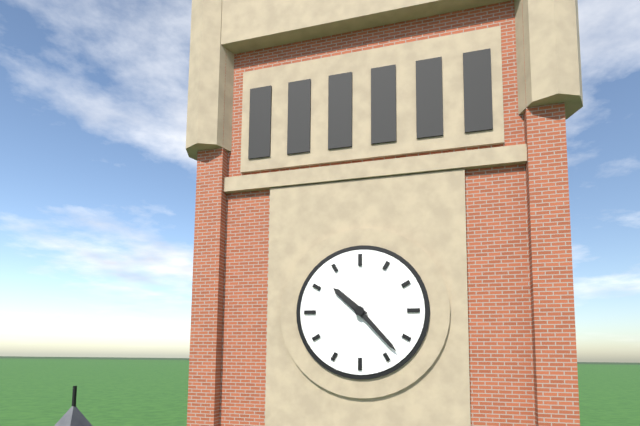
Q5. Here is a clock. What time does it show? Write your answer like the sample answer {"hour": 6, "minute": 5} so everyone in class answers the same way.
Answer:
{"hour": 10, "minute": 23}
